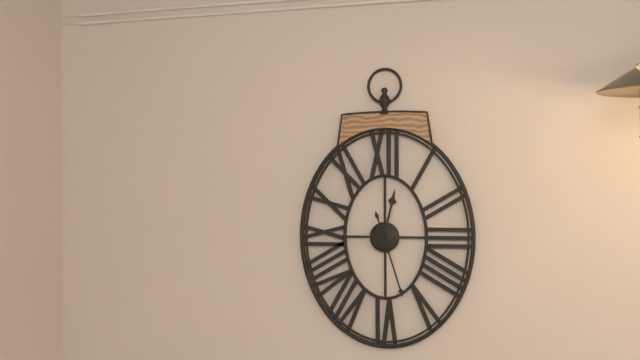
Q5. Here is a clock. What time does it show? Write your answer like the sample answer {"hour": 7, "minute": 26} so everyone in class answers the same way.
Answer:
{"hour": 12, "minute": 27}
